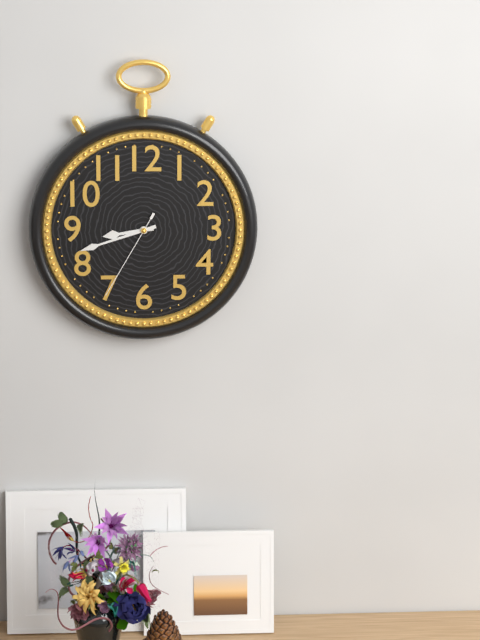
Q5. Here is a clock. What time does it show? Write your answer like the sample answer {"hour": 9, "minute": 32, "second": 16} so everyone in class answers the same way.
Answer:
{"hour": 8, "minute": 42, "second": 35}
